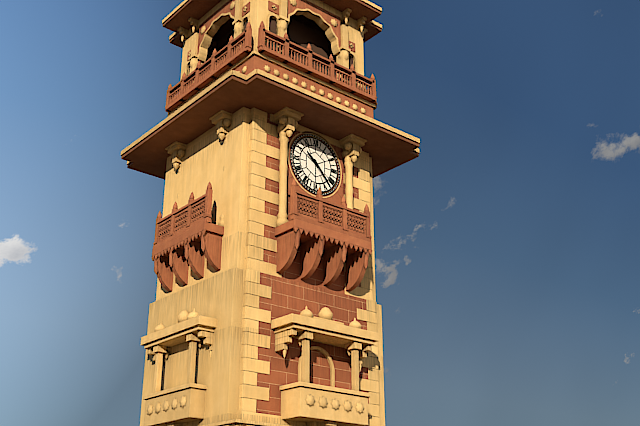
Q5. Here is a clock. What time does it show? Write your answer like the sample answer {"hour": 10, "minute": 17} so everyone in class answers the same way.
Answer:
{"hour": 10, "minute": 23}
